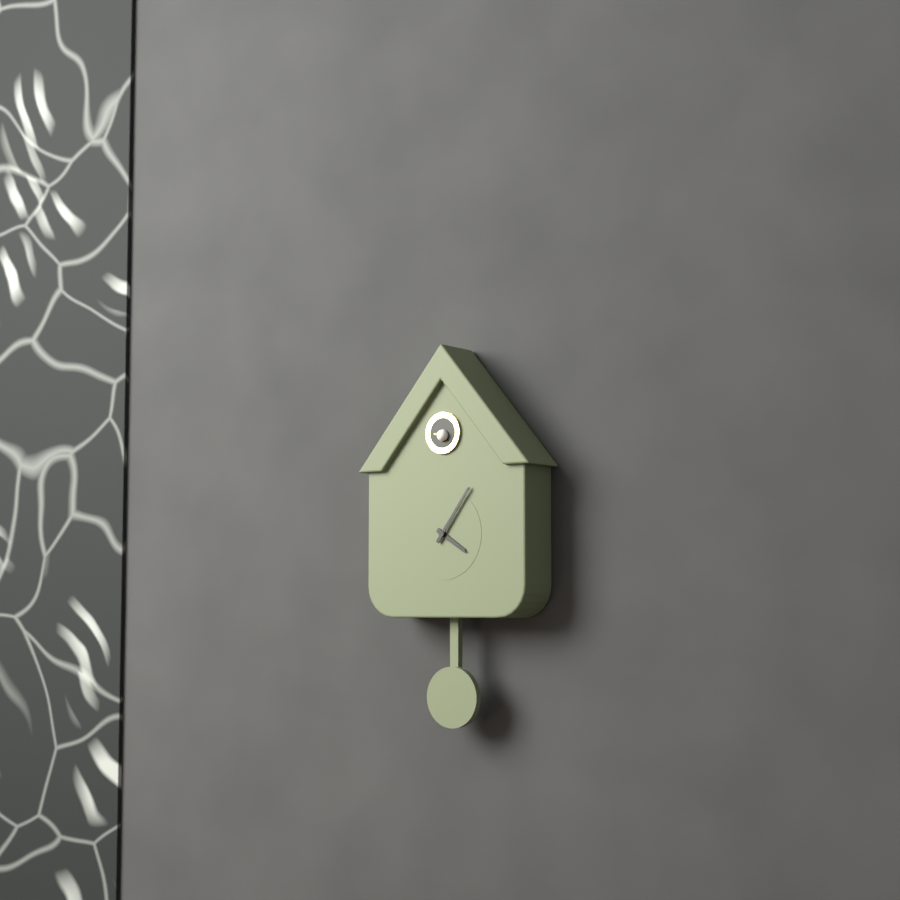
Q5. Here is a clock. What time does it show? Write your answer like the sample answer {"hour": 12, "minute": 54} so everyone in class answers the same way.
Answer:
{"hour": 4, "minute": 6}
